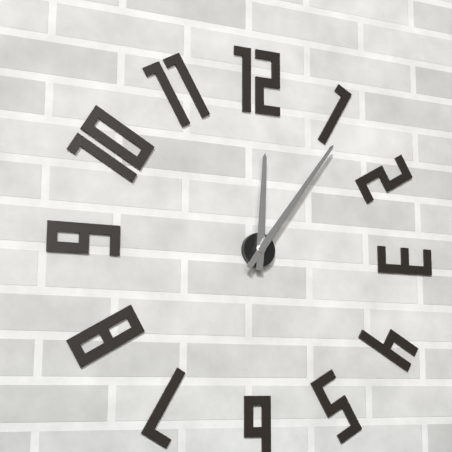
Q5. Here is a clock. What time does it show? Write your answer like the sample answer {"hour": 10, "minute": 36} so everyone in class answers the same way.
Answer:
{"hour": 12, "minute": 6}
